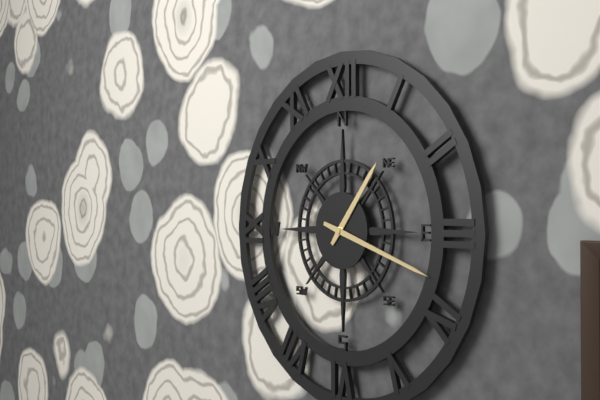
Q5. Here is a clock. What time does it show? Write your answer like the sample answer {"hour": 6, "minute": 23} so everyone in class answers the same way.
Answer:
{"hour": 1, "minute": 18}
